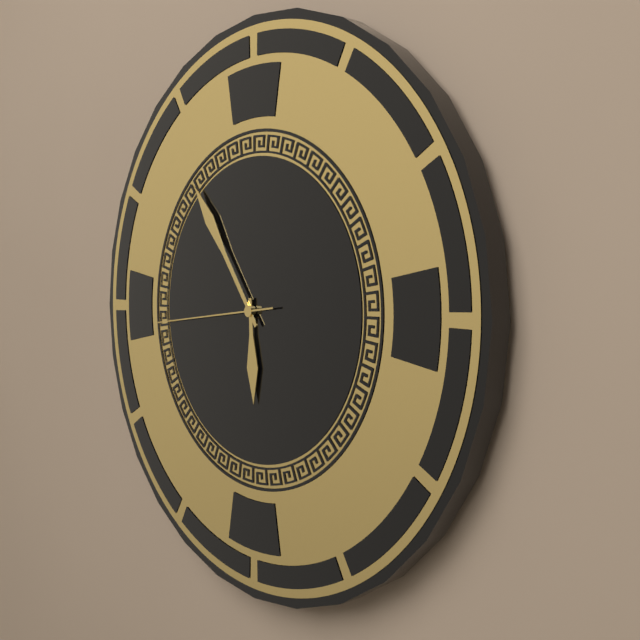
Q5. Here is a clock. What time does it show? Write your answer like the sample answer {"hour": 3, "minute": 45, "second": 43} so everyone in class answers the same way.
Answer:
{"hour": 5, "minute": 54, "second": 44}
